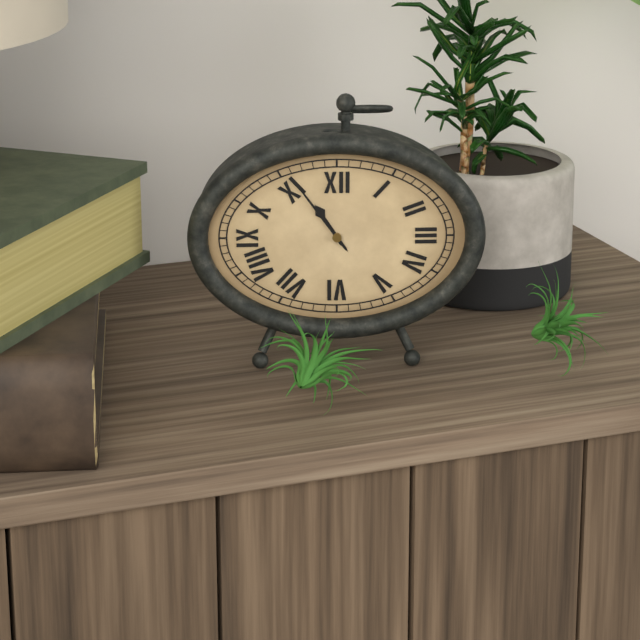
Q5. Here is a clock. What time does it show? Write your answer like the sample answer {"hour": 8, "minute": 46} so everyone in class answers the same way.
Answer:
{"hour": 10, "minute": 54}
